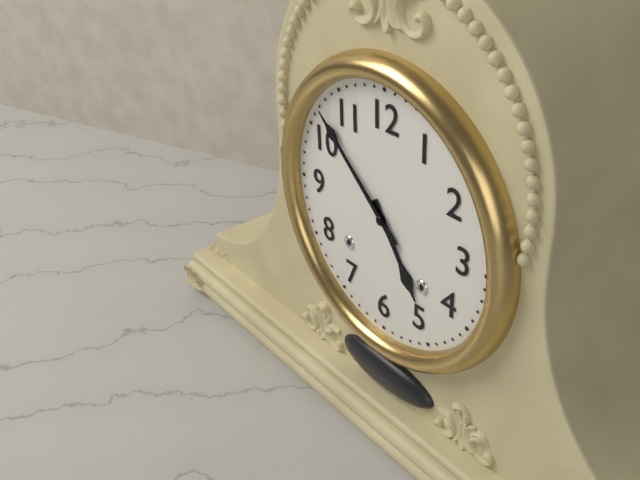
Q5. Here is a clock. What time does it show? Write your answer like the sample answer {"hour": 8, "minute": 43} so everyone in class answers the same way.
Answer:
{"hour": 4, "minute": 52}
